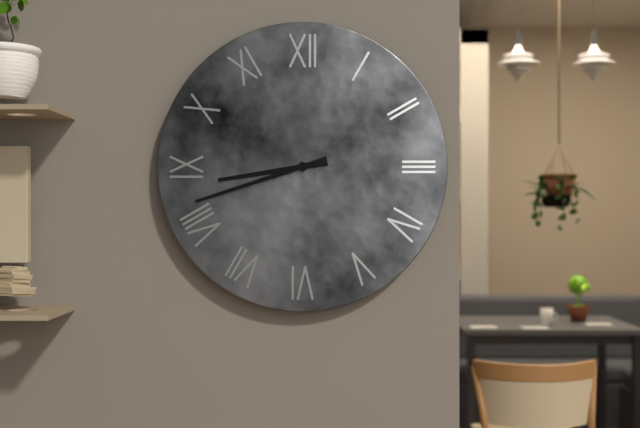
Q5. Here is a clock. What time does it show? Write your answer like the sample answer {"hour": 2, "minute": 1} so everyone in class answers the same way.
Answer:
{"hour": 8, "minute": 42}
